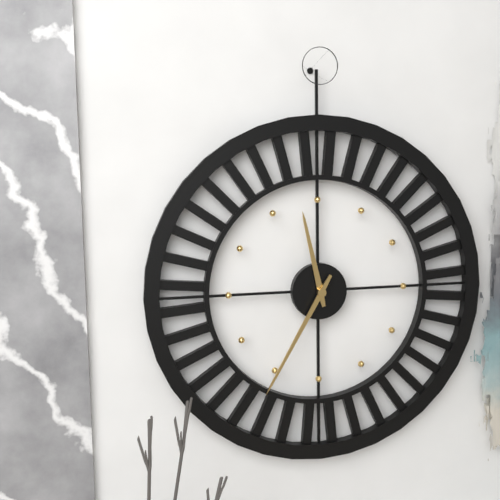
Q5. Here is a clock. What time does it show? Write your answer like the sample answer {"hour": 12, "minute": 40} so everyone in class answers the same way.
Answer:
{"hour": 11, "minute": 35}
